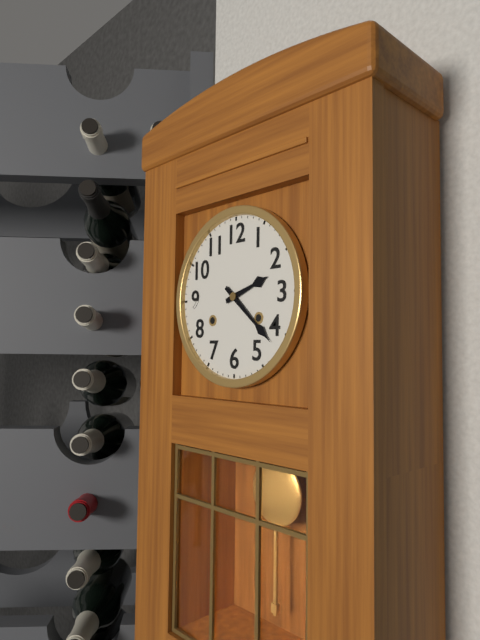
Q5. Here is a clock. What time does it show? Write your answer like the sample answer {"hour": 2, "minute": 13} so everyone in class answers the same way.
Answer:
{"hour": 2, "minute": 22}
